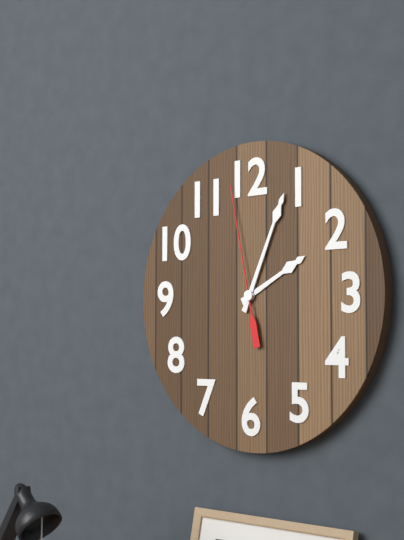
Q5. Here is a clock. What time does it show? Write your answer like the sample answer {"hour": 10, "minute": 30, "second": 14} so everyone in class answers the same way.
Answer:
{"hour": 2, "minute": 4, "second": 58}
